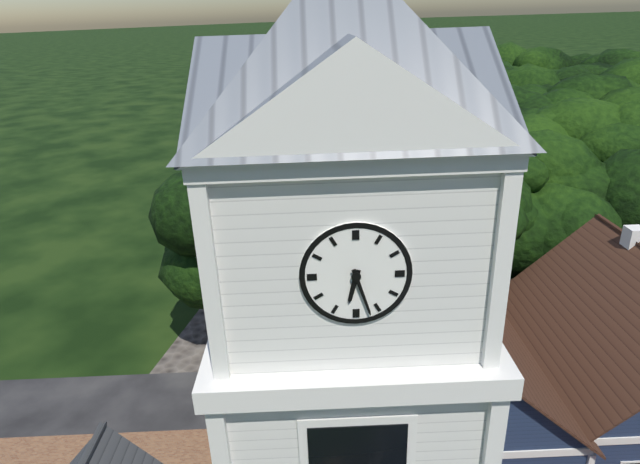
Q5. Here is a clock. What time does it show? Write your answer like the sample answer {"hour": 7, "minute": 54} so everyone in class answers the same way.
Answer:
{"hour": 6, "minute": 27}
